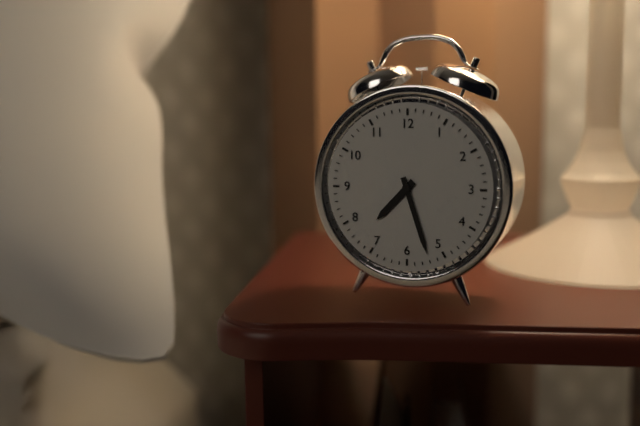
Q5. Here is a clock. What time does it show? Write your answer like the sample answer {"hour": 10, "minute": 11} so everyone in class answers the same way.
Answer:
{"hour": 7, "minute": 27}
